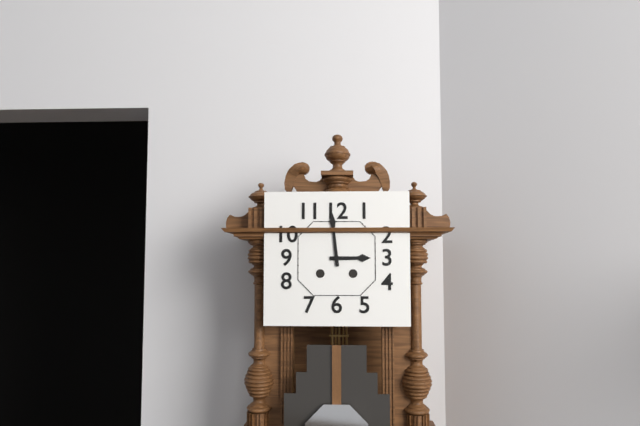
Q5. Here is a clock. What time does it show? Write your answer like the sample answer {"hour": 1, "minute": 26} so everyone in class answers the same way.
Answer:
{"hour": 2, "minute": 59}
